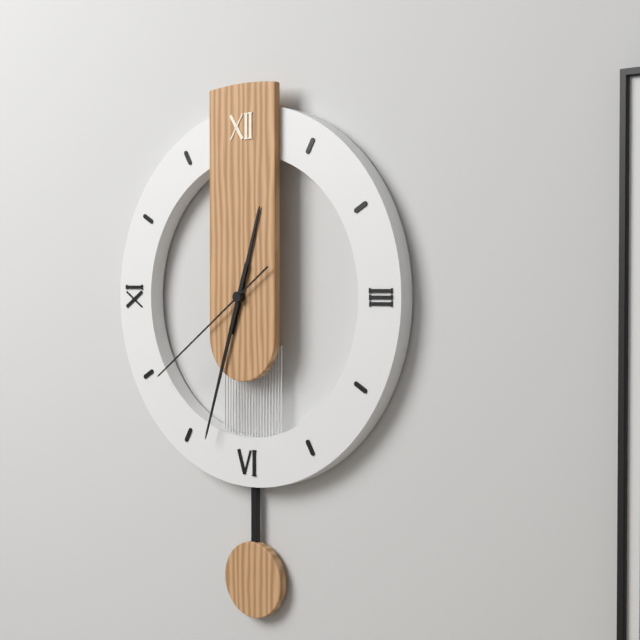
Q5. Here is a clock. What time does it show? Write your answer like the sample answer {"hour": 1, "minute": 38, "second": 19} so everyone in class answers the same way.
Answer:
{"hour": 12, "minute": 33, "second": 39}
